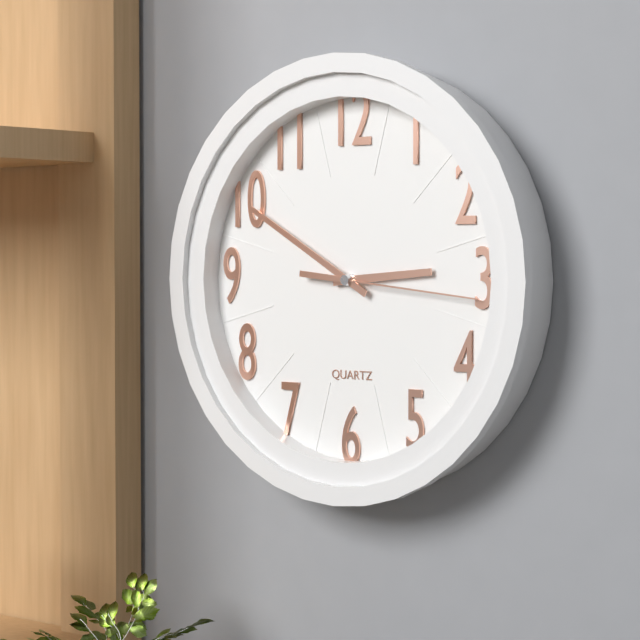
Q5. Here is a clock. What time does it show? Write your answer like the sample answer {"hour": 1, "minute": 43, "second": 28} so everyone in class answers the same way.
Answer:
{"hour": 2, "minute": 50, "second": 16}
